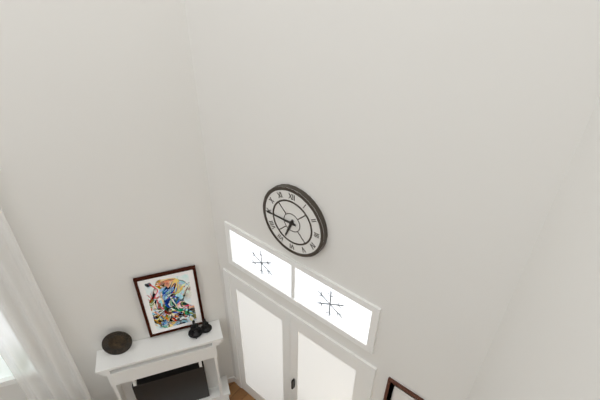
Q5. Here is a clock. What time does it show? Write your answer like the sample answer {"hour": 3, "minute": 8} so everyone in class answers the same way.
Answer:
{"hour": 6, "minute": 45}
